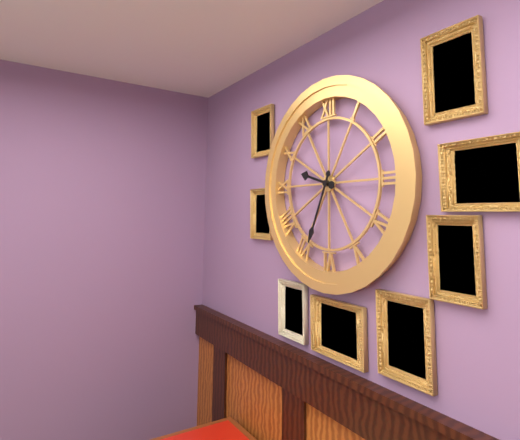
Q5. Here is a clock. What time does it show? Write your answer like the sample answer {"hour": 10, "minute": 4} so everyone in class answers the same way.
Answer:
{"hour": 9, "minute": 34}
